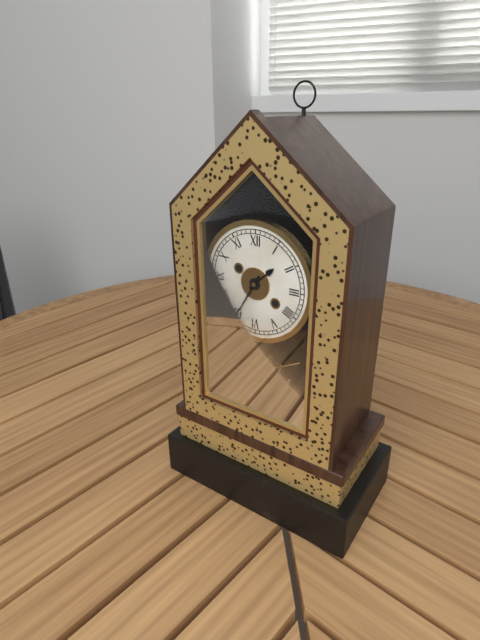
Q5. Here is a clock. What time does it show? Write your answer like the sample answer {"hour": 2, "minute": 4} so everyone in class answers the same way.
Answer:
{"hour": 1, "minute": 35}
